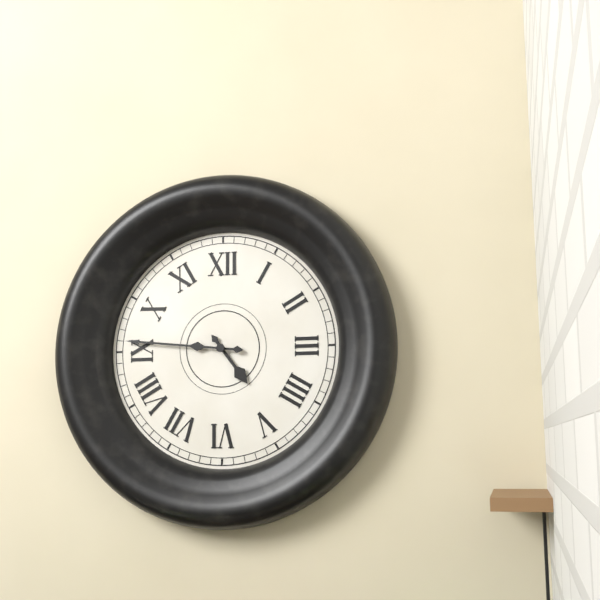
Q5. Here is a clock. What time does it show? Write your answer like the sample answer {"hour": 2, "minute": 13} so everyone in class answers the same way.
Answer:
{"hour": 4, "minute": 46}
